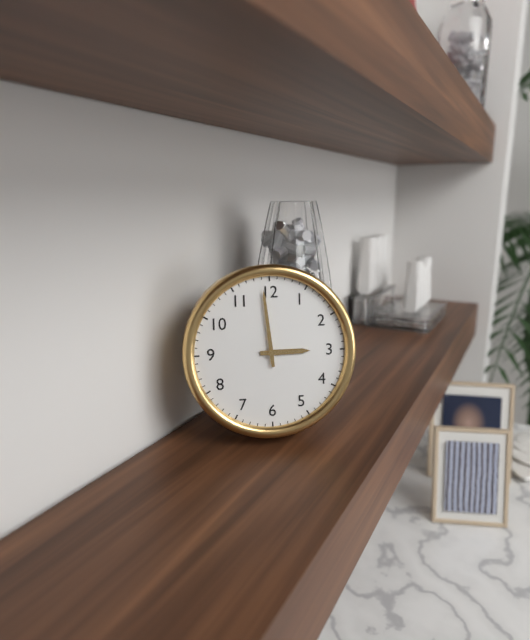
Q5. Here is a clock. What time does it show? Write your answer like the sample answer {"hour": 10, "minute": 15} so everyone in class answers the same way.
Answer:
{"hour": 2, "minute": 59}
